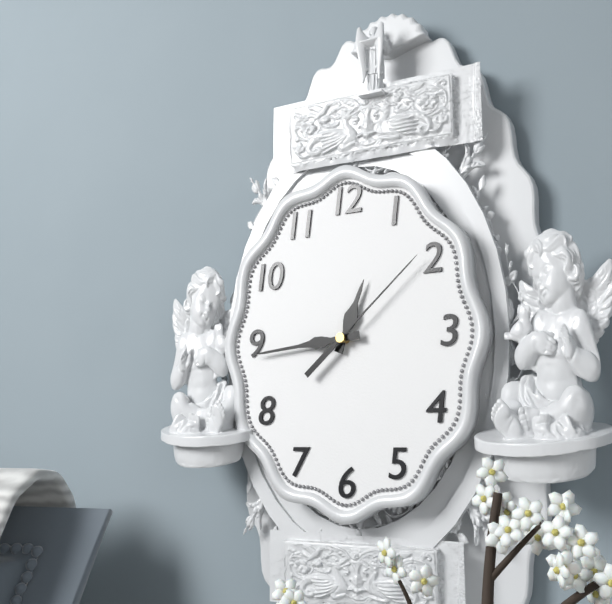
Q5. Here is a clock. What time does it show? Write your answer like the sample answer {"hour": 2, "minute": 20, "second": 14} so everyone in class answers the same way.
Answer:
{"hour": 12, "minute": 44, "second": 8}
